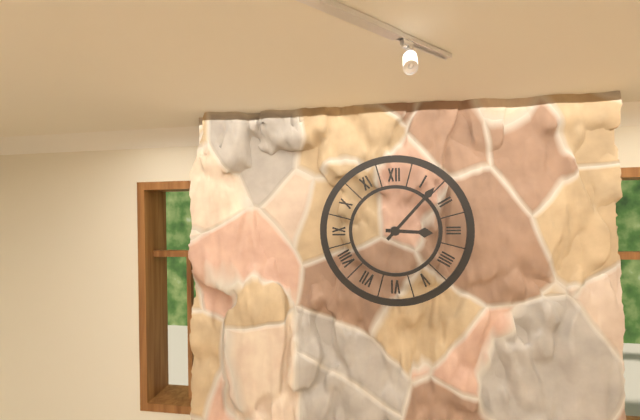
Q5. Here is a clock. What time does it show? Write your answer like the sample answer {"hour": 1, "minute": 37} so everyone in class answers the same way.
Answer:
{"hour": 3, "minute": 7}
